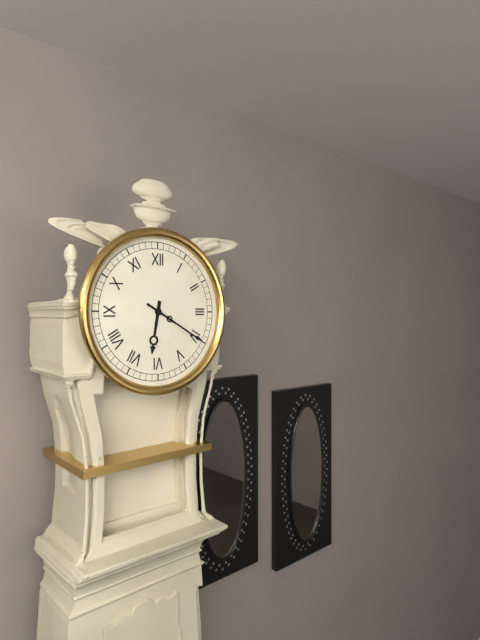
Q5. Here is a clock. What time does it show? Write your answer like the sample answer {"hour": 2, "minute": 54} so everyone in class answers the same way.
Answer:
{"hour": 6, "minute": 20}
